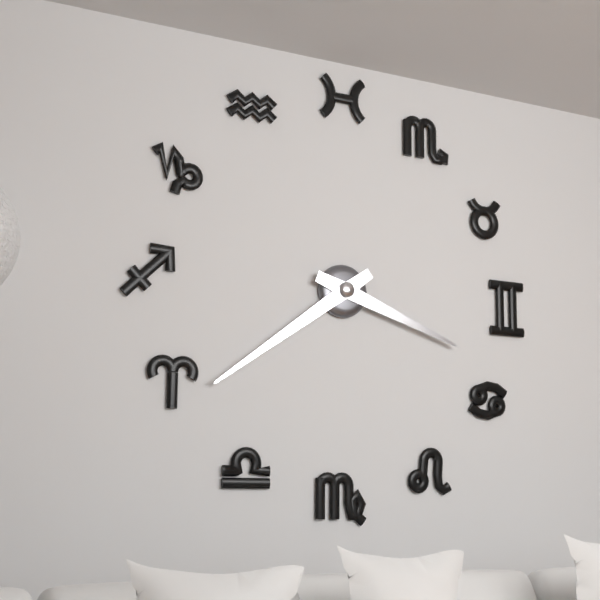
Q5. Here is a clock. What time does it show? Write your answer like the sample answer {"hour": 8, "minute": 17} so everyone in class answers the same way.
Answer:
{"hour": 3, "minute": 39}
